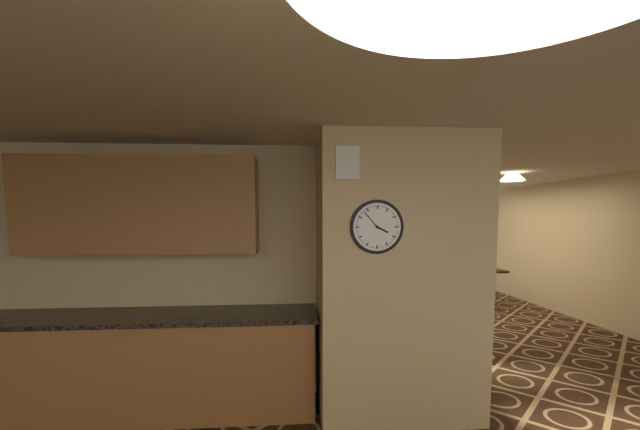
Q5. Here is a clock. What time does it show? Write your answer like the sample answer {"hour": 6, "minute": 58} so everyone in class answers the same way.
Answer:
{"hour": 3, "minute": 53}
